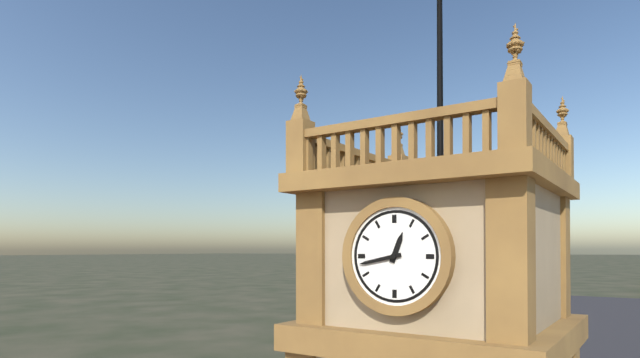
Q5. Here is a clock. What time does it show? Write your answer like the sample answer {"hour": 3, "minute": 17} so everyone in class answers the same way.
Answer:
{"hour": 12, "minute": 43}
